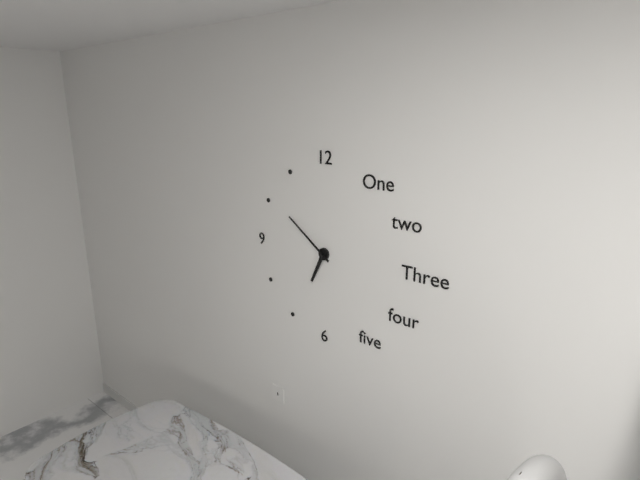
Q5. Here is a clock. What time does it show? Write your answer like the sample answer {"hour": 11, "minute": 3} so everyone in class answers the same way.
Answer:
{"hour": 6, "minute": 51}
